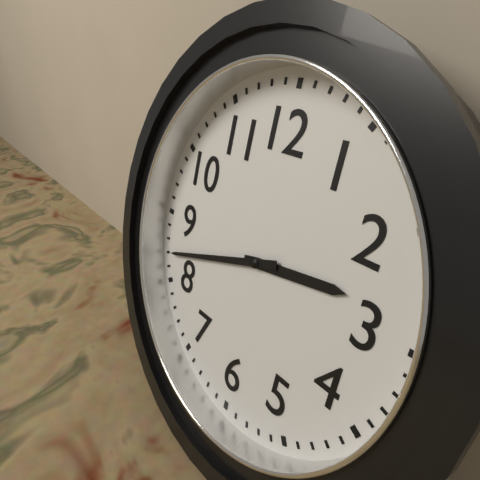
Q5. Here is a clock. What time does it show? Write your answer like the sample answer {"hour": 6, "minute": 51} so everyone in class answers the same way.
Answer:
{"hour": 2, "minute": 42}
